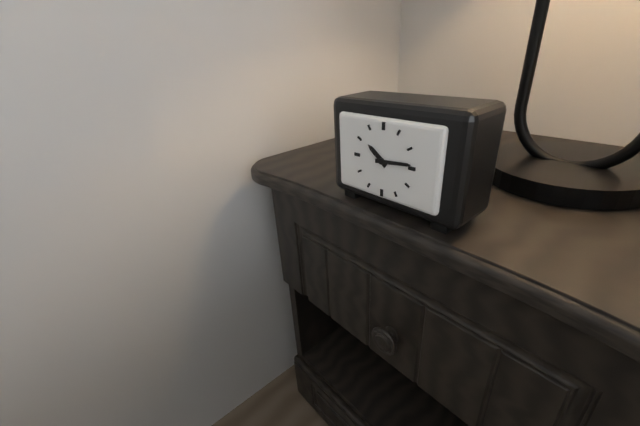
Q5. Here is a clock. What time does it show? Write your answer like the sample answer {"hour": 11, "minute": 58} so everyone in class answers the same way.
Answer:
{"hour": 10, "minute": 14}
